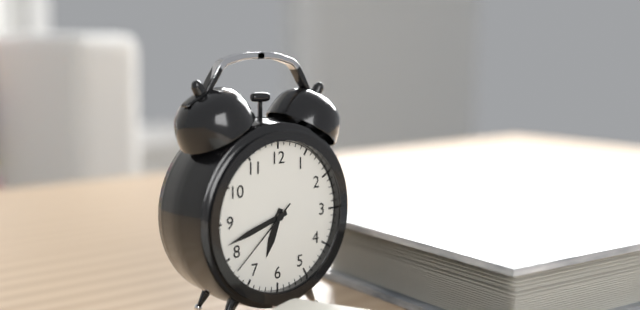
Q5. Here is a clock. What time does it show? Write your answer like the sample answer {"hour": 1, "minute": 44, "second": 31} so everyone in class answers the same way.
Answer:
{"hour": 6, "minute": 42, "second": 38}
